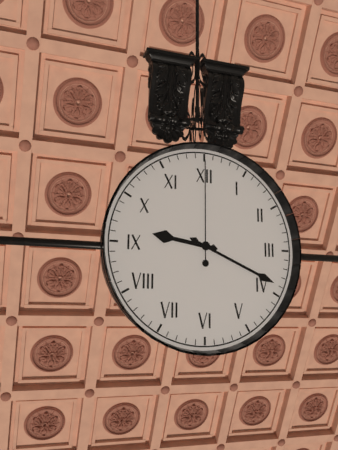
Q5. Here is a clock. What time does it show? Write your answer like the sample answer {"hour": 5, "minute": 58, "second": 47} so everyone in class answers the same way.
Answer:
{"hour": 9, "minute": 19, "second": 0}
